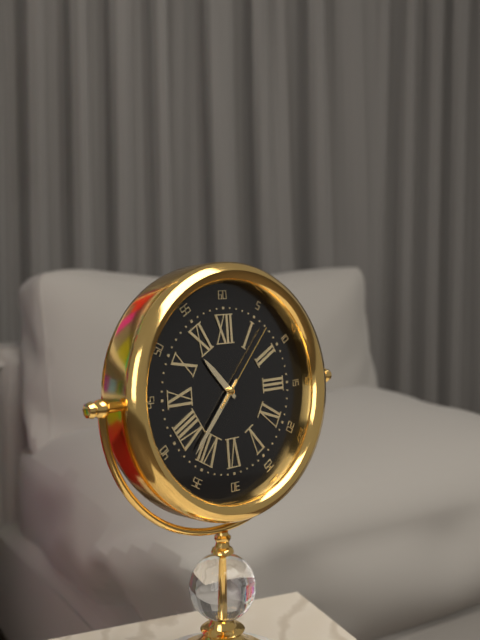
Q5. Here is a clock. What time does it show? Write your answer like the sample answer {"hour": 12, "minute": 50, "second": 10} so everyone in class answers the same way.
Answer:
{"hour": 10, "minute": 37, "second": 7}
